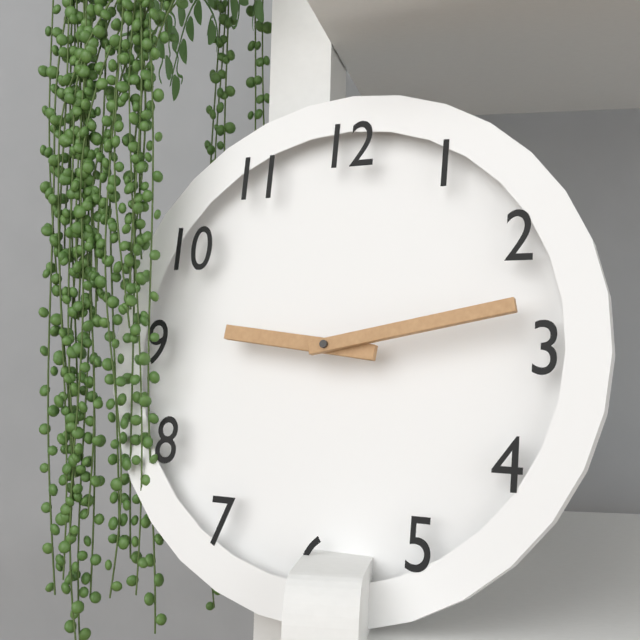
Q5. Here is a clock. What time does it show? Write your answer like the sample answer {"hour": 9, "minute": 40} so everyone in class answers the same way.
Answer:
{"hour": 9, "minute": 13}
